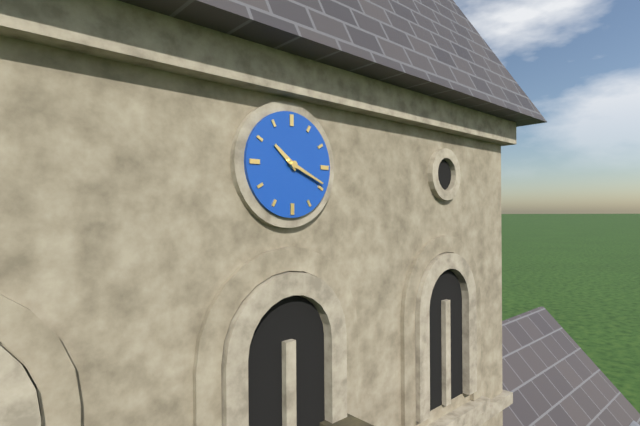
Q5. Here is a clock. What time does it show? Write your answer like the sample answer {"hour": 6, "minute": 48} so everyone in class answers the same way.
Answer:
{"hour": 10, "minute": 19}
